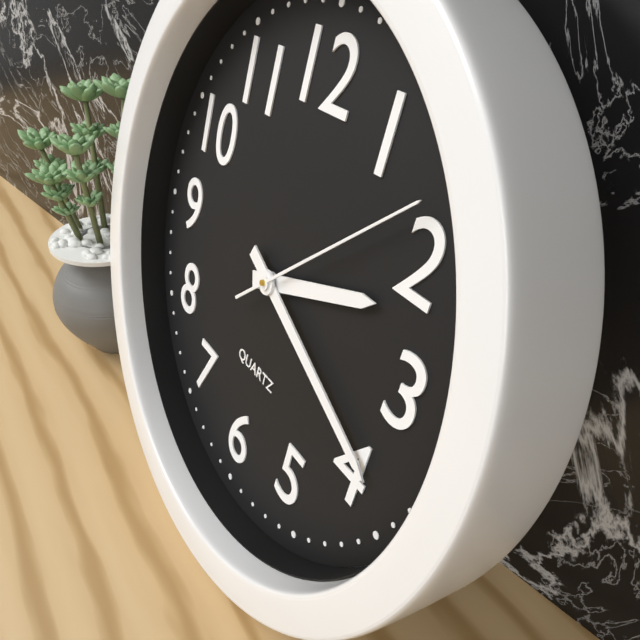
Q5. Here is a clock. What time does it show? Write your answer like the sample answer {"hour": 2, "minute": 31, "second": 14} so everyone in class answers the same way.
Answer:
{"hour": 2, "minute": 19, "second": 8}
